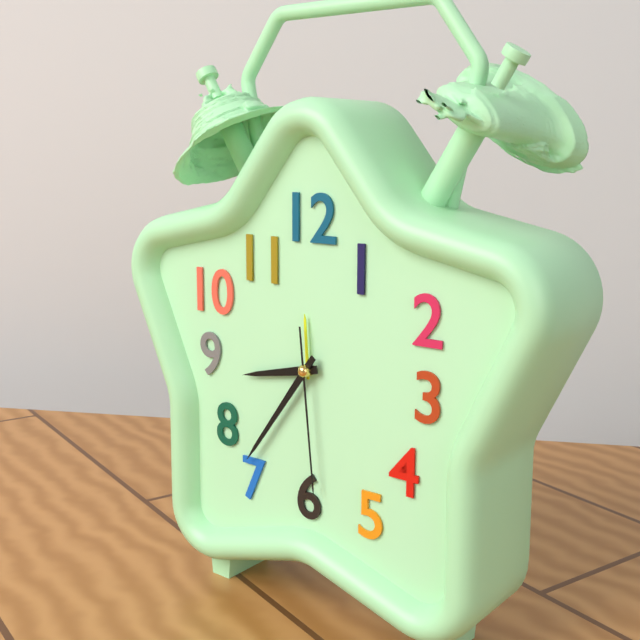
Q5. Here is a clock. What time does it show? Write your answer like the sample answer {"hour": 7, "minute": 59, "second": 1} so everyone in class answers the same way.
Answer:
{"hour": 8, "minute": 36, "second": 29}
